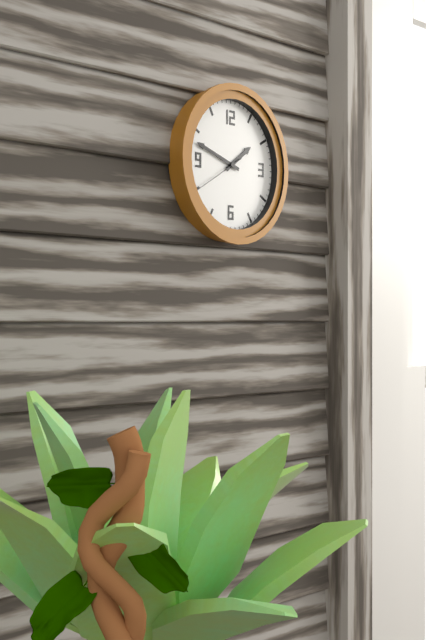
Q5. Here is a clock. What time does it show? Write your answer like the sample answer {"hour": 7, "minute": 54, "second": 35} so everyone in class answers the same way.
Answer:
{"hour": 1, "minute": 48, "second": 40}
